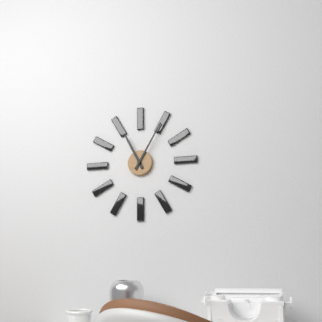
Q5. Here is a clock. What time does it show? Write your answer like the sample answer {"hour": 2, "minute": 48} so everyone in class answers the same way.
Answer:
{"hour": 11, "minute": 5}
